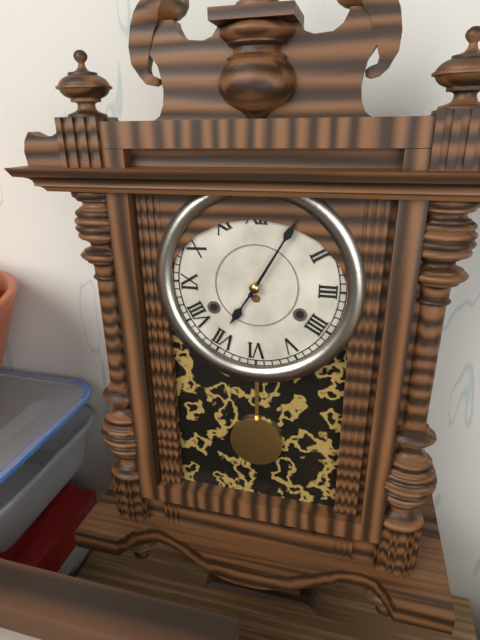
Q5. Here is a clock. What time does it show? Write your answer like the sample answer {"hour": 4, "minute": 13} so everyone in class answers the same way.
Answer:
{"hour": 7, "minute": 5}
